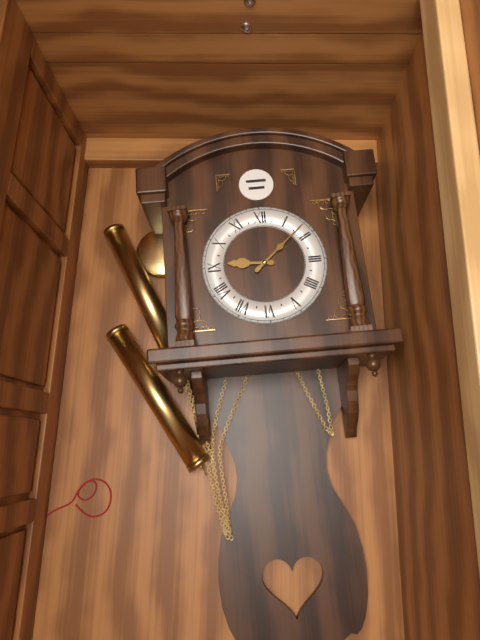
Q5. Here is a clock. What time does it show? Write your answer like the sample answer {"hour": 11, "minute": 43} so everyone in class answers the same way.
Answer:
{"hour": 9, "minute": 8}
